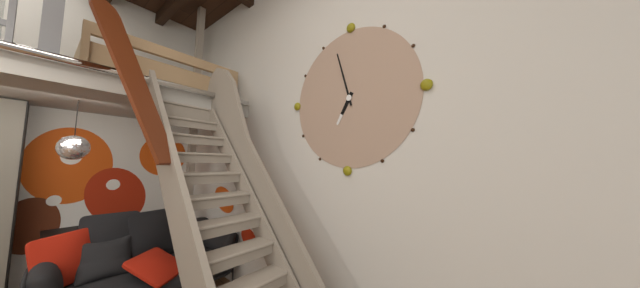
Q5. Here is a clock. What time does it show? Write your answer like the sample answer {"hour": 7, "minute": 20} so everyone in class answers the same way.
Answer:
{"hour": 6, "minute": 57}
